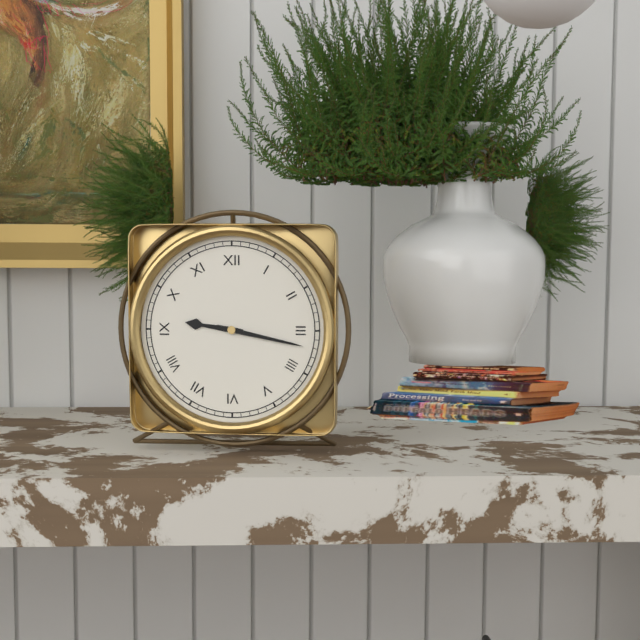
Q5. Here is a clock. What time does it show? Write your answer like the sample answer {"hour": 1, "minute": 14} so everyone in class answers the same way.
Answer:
{"hour": 9, "minute": 17}
